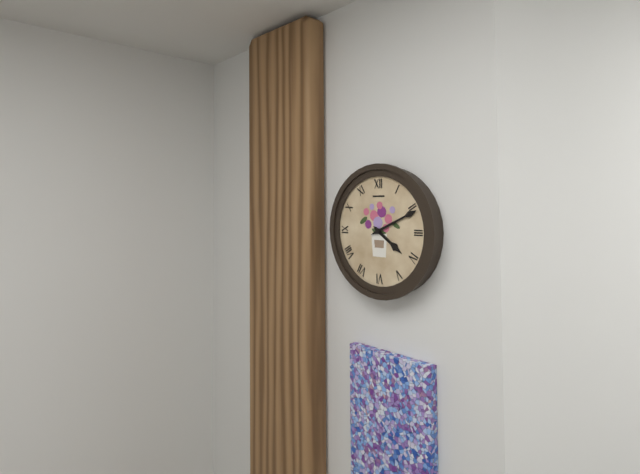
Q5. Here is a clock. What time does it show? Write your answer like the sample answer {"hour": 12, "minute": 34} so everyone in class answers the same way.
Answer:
{"hour": 4, "minute": 11}
